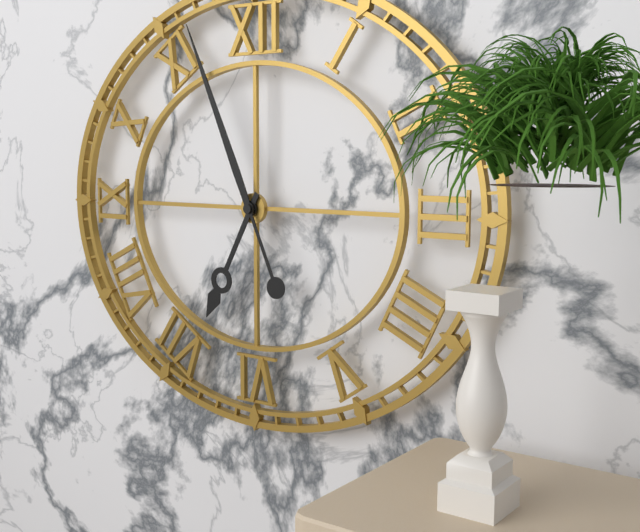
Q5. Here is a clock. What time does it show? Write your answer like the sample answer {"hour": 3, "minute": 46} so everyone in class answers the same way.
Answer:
{"hour": 6, "minute": 56}
